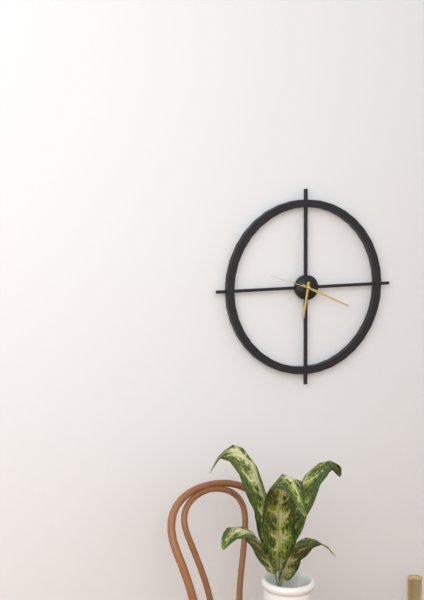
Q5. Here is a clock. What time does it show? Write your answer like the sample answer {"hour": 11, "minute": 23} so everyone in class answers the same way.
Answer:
{"hour": 6, "minute": 19}
